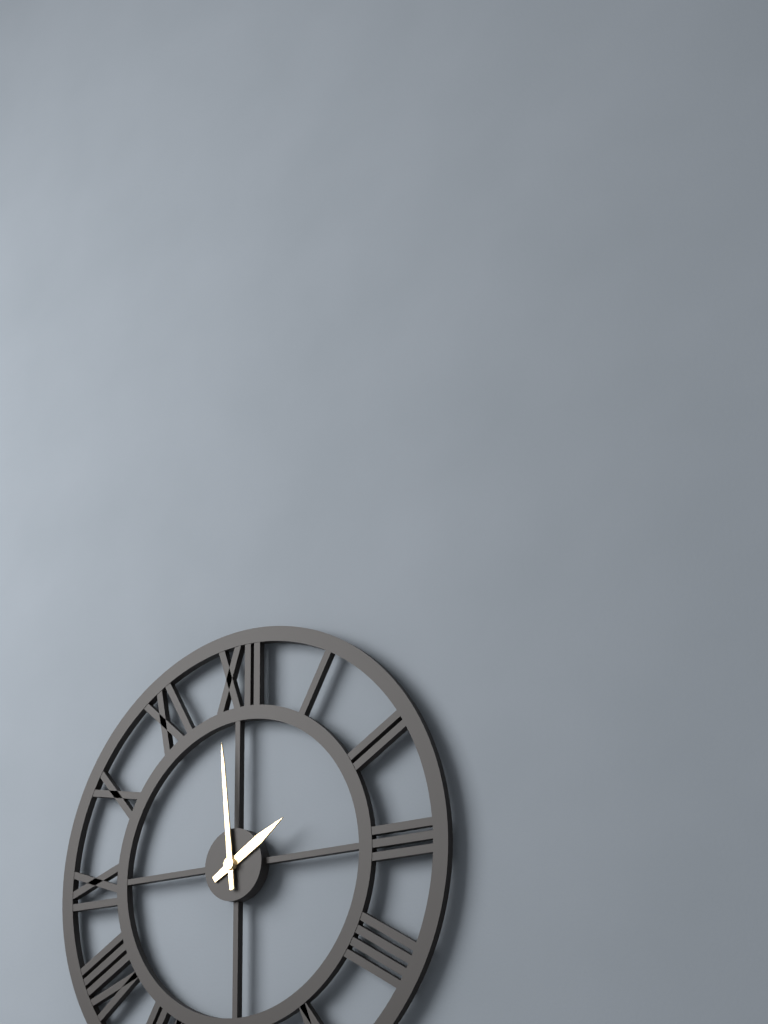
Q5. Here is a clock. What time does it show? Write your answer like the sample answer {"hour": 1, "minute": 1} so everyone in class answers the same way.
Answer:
{"hour": 1, "minute": 59}
